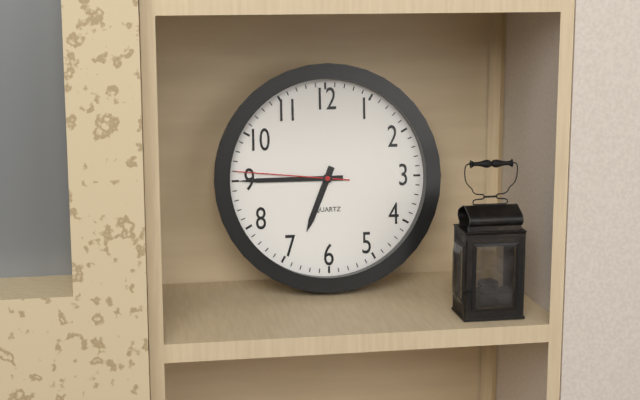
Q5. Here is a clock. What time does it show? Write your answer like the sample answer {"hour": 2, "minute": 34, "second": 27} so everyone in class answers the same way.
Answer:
{"hour": 6, "minute": 45, "second": 46}
